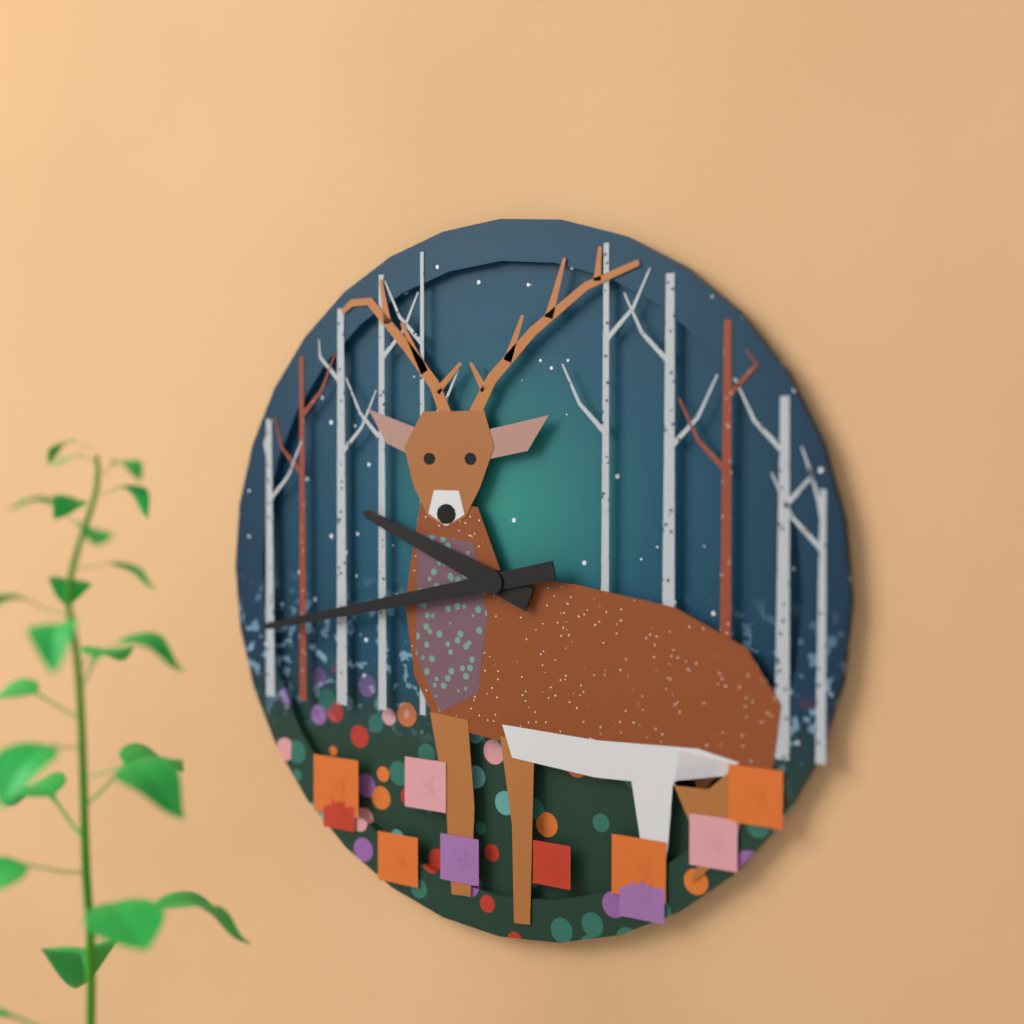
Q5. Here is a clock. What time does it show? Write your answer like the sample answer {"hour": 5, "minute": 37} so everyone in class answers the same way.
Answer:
{"hour": 9, "minute": 43}
